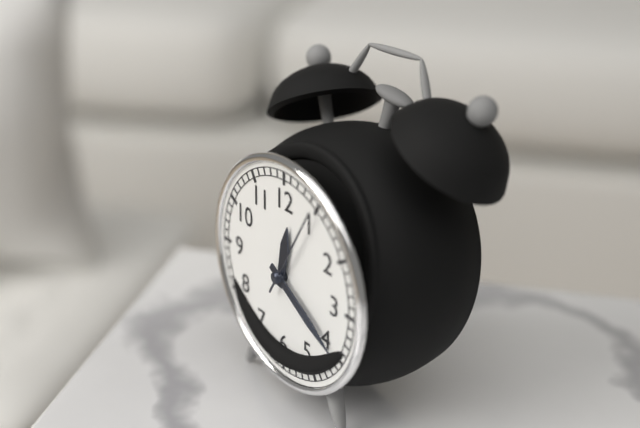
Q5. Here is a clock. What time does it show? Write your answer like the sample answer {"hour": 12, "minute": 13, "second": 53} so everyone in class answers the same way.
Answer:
{"hour": 12, "minute": 20, "second": 5}
